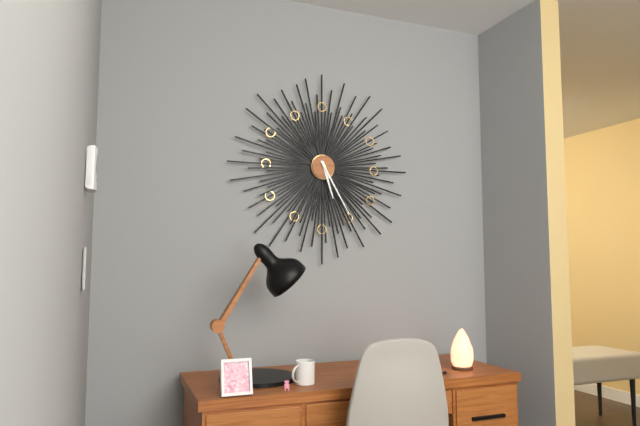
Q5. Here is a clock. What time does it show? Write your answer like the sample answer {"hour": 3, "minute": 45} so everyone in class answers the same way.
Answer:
{"hour": 5, "minute": 25}
